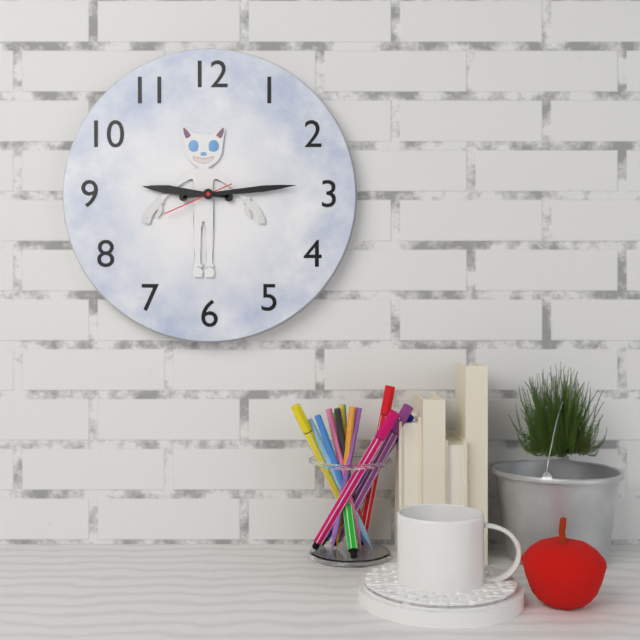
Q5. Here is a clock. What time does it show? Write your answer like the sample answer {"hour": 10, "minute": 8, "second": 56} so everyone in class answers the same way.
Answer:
{"hour": 9, "minute": 14, "second": 41}
